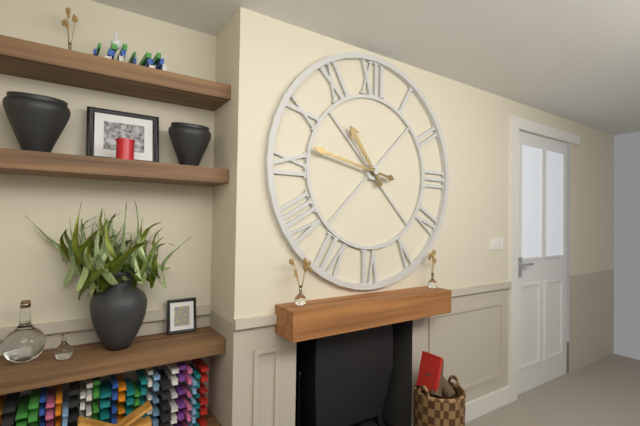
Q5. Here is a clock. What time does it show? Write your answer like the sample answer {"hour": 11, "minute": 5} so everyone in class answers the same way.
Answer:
{"hour": 10, "minute": 47}
